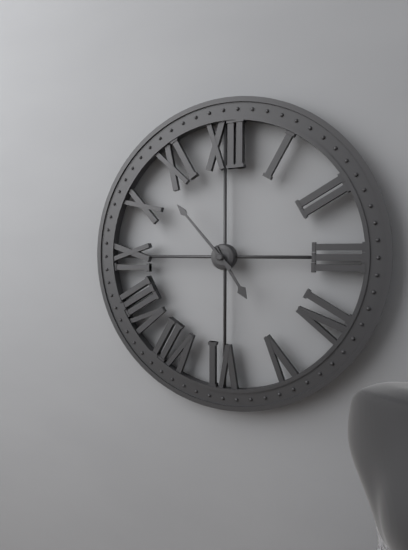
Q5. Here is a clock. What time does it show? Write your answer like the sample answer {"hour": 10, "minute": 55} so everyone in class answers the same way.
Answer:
{"hour": 4, "minute": 53}
